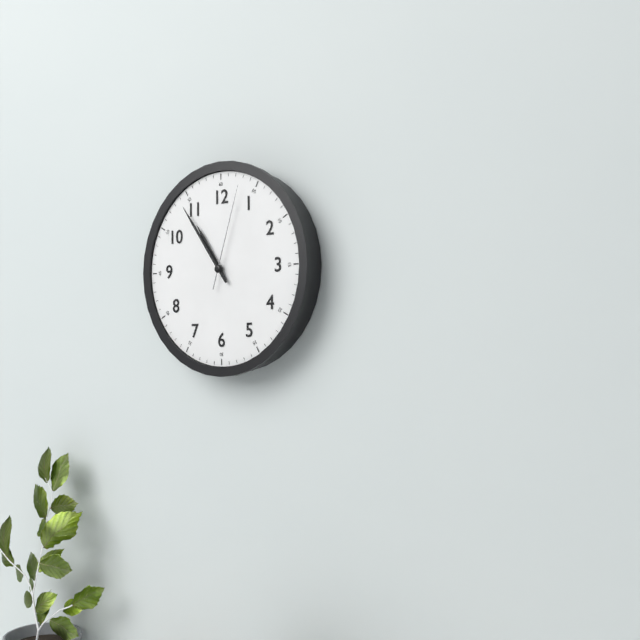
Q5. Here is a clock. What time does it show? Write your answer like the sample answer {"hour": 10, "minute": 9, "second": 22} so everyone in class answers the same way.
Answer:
{"hour": 10, "minute": 54, "second": 3}
